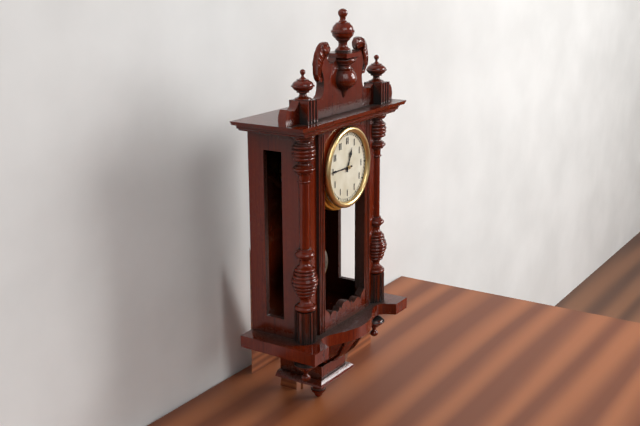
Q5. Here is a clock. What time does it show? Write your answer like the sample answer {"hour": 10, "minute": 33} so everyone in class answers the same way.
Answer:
{"hour": 12, "minute": 45}
